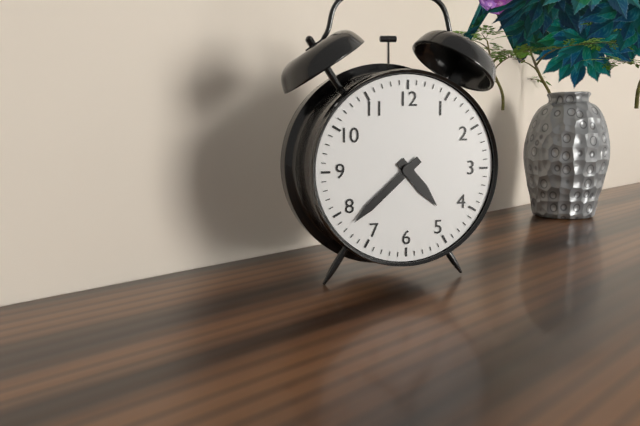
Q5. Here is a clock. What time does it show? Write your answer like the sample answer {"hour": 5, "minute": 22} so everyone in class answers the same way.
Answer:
{"hour": 4, "minute": 38}
